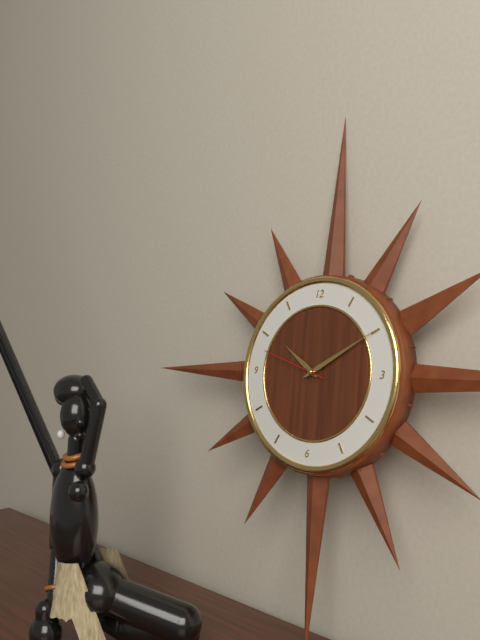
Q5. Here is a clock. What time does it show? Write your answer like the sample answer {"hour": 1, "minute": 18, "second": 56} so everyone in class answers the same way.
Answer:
{"hour": 10, "minute": 10, "second": 48}
